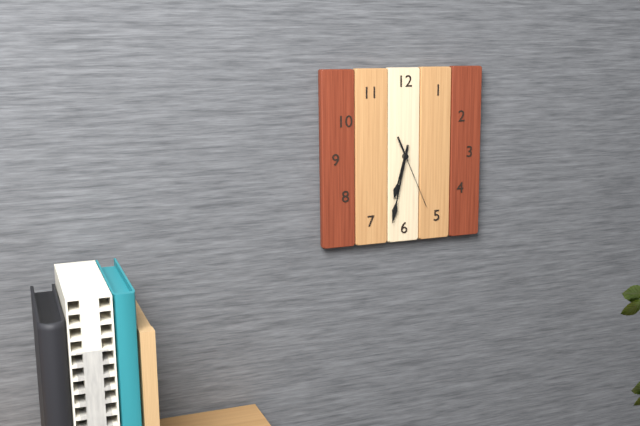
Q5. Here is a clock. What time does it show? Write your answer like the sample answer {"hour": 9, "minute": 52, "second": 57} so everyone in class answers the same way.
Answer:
{"hour": 6, "minute": 32, "second": 26}
